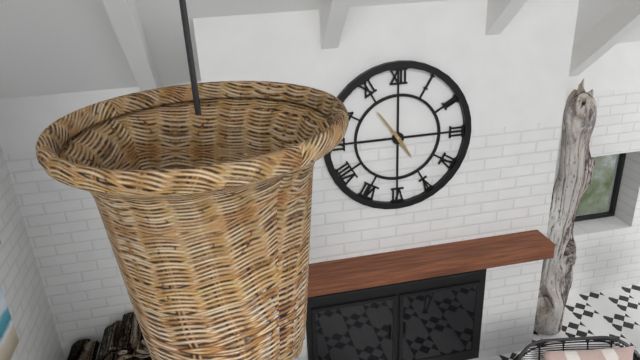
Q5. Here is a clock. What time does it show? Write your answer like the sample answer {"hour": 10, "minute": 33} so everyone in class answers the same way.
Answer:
{"hour": 4, "minute": 54}
